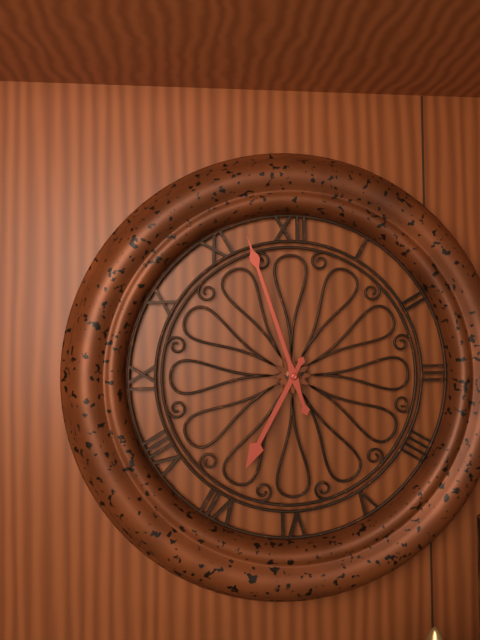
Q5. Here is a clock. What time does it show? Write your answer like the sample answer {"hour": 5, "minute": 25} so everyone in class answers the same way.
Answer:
{"hour": 6, "minute": 57}
